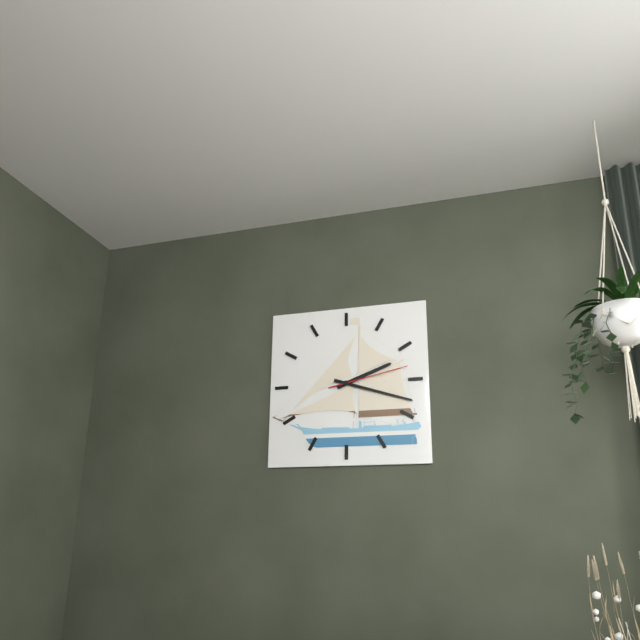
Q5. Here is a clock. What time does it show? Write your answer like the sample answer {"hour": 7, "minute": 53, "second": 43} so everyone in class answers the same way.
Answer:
{"hour": 2, "minute": 18, "second": 13}
